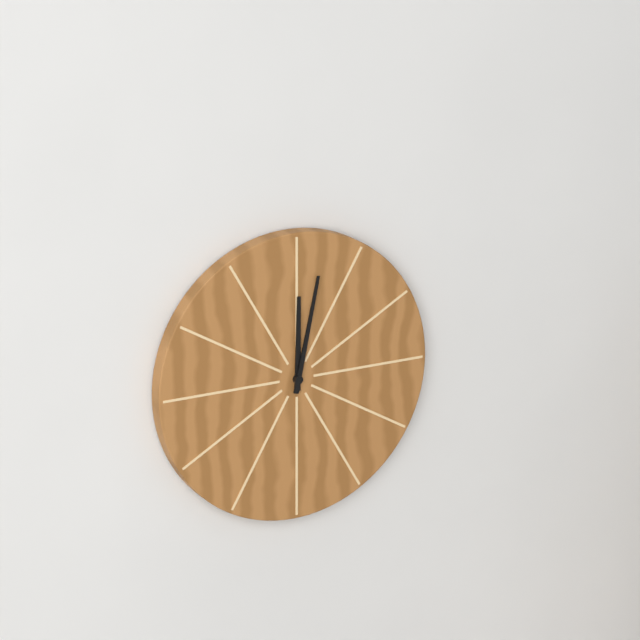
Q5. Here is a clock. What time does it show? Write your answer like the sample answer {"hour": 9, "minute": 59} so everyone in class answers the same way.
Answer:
{"hour": 12, "minute": 2}
